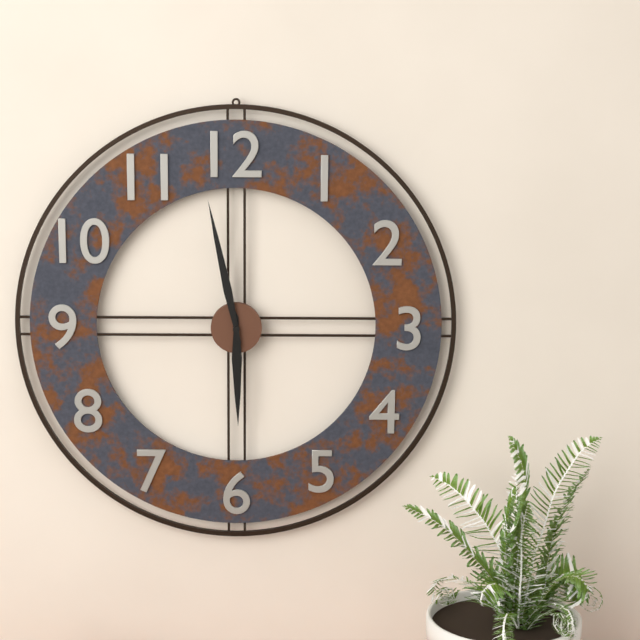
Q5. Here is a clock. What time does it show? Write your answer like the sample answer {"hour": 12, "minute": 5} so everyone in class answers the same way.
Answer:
{"hour": 5, "minute": 58}
